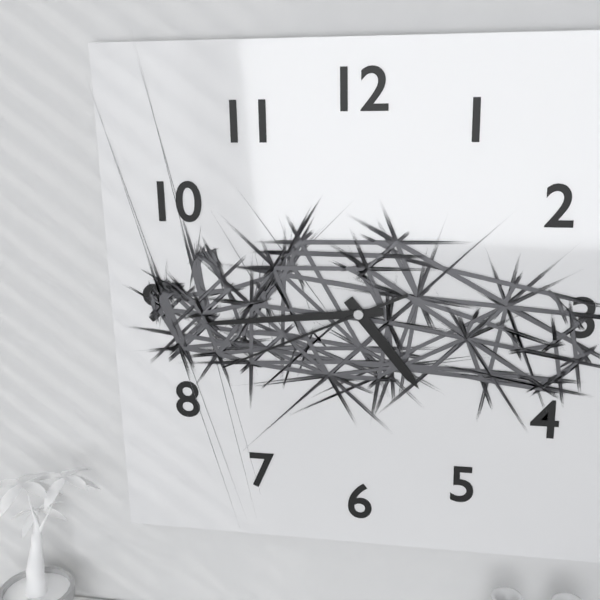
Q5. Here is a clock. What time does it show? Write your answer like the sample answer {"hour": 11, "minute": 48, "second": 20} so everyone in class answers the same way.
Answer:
{"hour": 4, "minute": 44, "second": 41}
